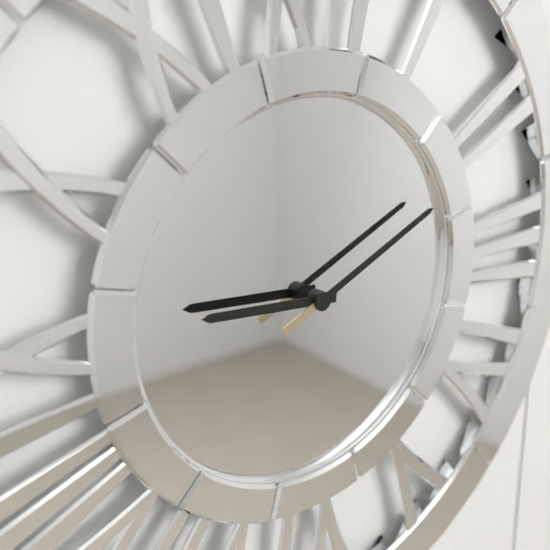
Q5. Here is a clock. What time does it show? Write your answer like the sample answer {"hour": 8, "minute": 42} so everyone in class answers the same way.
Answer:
{"hour": 9, "minute": 11}
